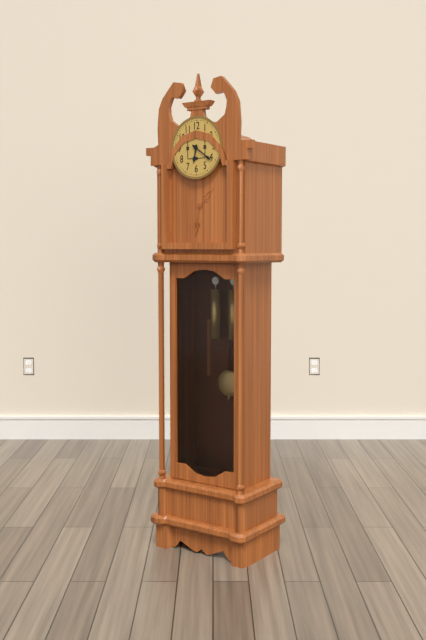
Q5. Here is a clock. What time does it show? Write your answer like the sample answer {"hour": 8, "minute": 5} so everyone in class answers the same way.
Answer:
{"hour": 6, "minute": 21}
